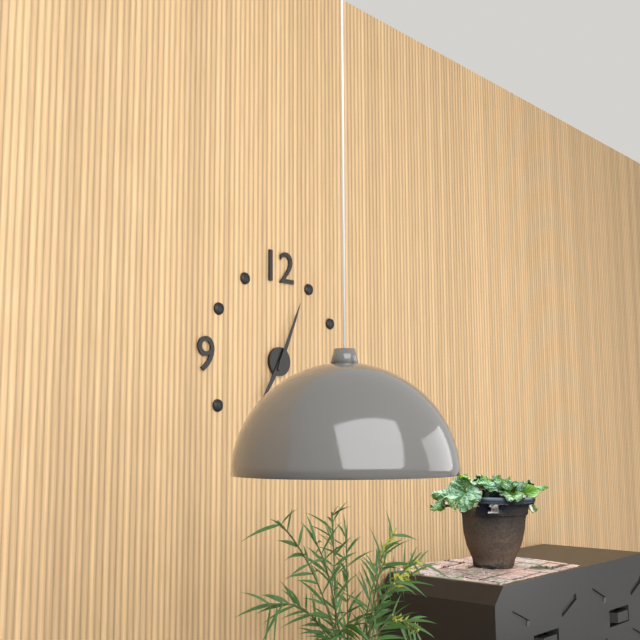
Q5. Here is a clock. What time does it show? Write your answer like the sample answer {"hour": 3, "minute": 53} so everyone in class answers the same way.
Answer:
{"hour": 7, "minute": 4}
